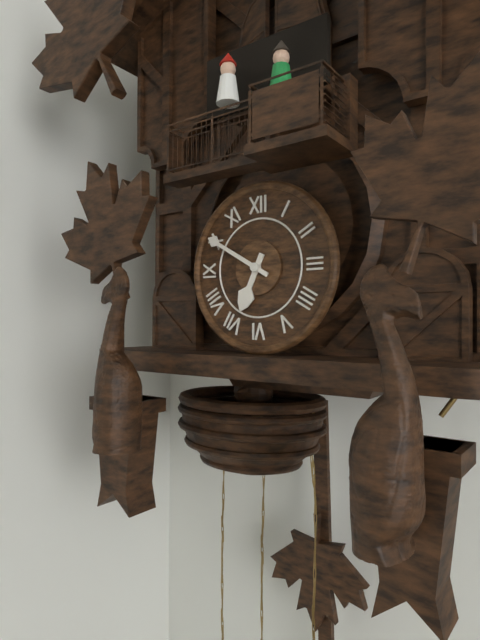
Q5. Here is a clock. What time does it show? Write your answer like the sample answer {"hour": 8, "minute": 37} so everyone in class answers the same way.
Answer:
{"hour": 6, "minute": 50}
